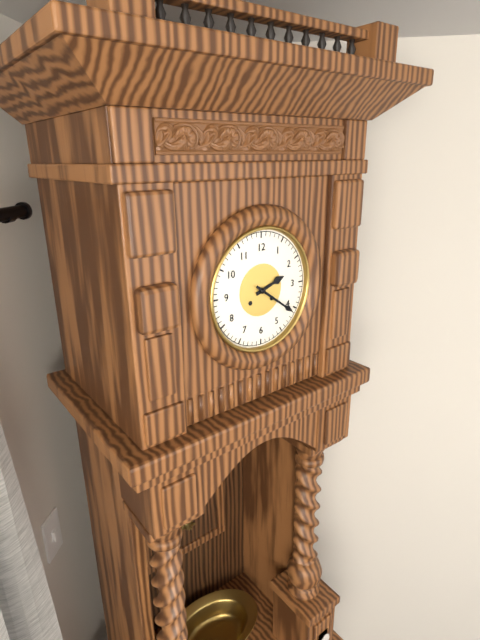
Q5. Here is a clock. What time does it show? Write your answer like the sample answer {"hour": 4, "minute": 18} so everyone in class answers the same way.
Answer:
{"hour": 2, "minute": 21}
